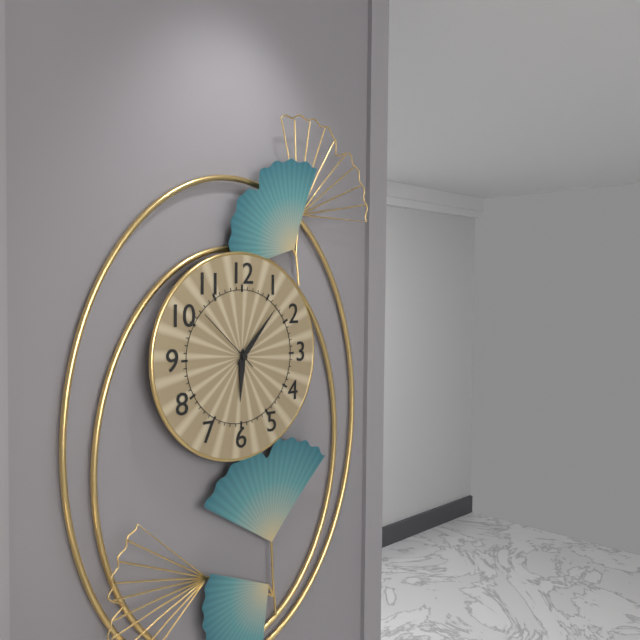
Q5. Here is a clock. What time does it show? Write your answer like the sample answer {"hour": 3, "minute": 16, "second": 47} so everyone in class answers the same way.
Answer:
{"hour": 6, "minute": 7, "second": 52}
